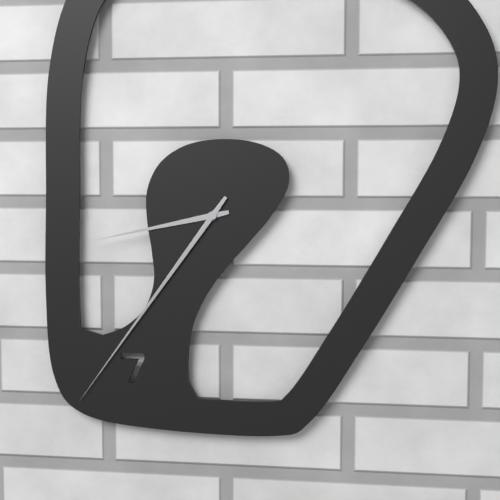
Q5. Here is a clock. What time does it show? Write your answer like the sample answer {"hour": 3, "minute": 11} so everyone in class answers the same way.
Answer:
{"hour": 8, "minute": 36}
